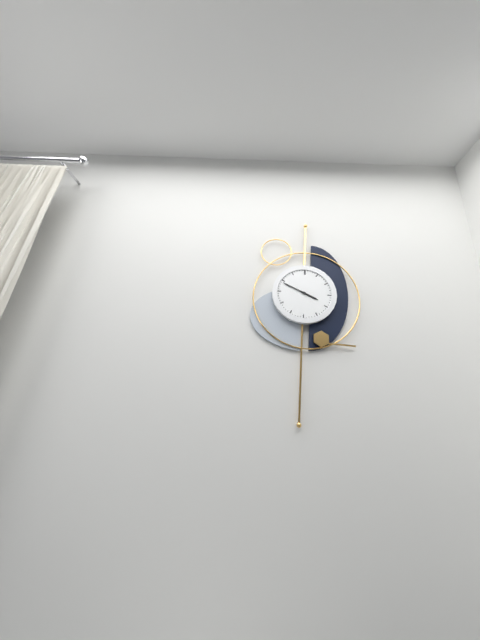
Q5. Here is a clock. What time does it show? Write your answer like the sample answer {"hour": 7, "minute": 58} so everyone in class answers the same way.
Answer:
{"hour": 3, "minute": 49}
